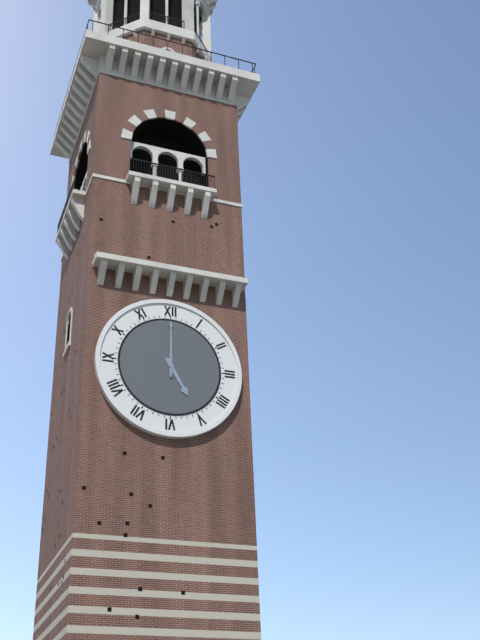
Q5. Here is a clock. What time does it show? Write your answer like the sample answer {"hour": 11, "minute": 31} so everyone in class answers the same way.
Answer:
{"hour": 5, "minute": 0}
